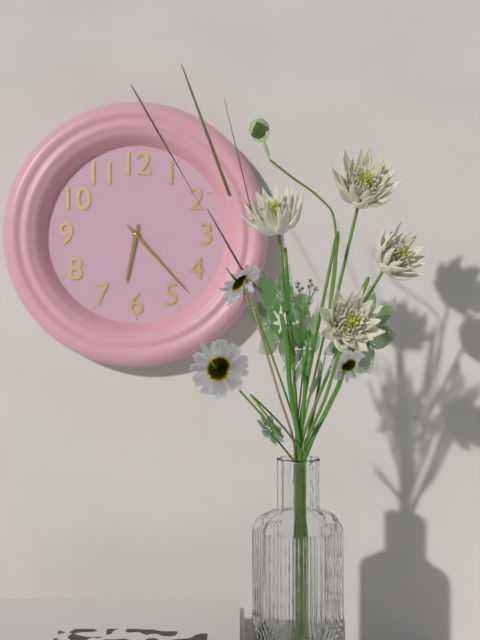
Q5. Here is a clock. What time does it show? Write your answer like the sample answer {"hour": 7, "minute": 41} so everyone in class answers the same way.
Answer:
{"hour": 6, "minute": 23}
